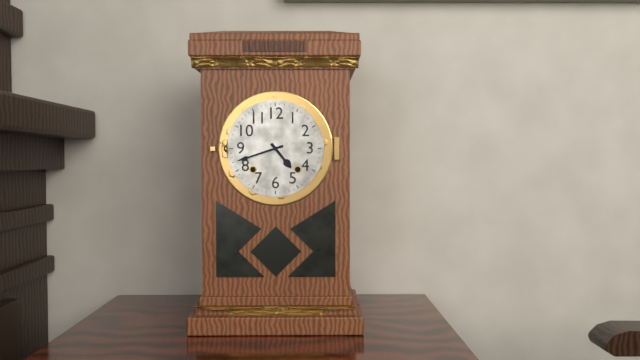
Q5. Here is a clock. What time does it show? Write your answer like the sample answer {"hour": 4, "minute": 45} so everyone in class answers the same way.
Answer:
{"hour": 4, "minute": 42}
